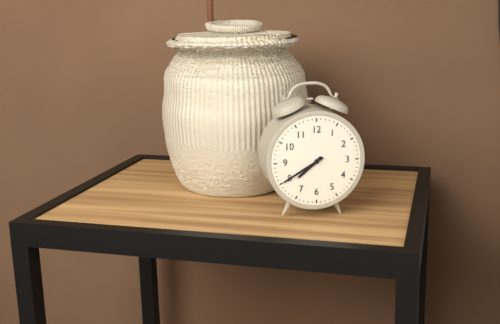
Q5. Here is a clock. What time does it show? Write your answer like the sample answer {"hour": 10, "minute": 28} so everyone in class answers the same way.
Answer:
{"hour": 7, "minute": 40}
